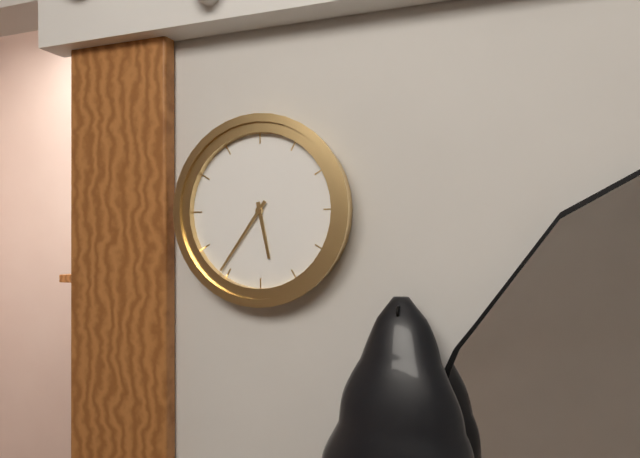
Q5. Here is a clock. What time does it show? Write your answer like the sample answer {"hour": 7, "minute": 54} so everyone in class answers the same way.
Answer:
{"hour": 5, "minute": 36}
